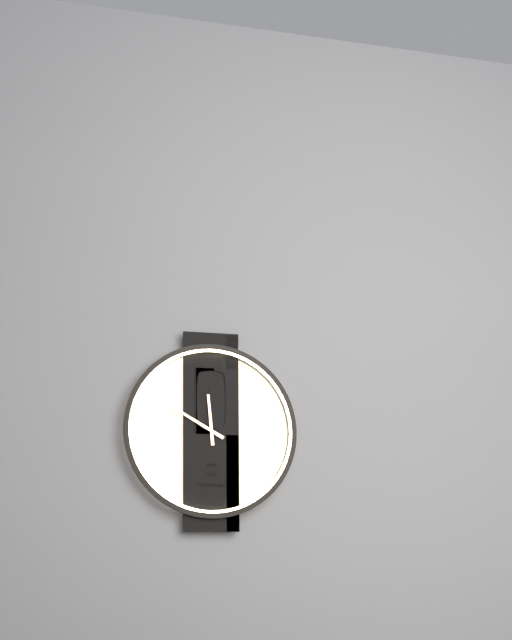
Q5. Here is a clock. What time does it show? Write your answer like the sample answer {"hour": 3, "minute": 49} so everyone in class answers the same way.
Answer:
{"hour": 11, "minute": 50}
